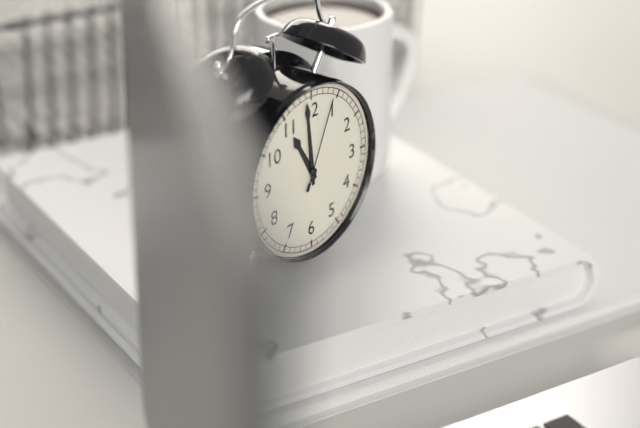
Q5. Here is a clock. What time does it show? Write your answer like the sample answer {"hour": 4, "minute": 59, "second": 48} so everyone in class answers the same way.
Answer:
{"hour": 10, "minute": 59, "second": 4}
